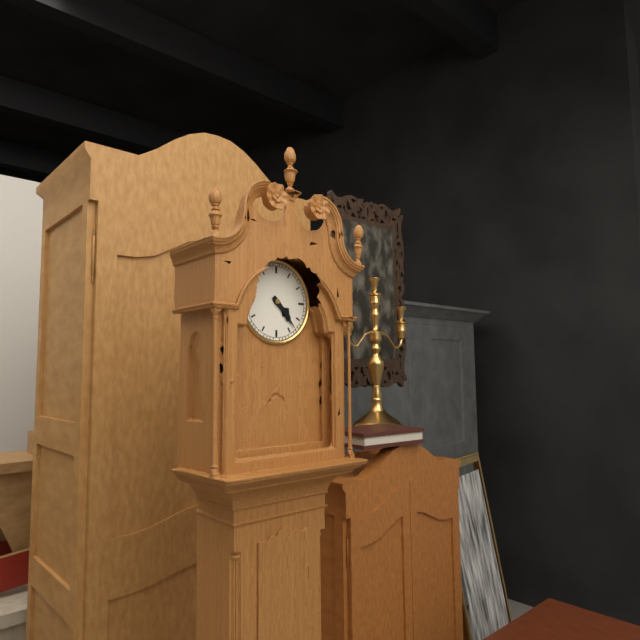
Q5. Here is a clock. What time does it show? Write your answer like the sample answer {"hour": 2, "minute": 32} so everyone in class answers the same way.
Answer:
{"hour": 4, "minute": 23}
